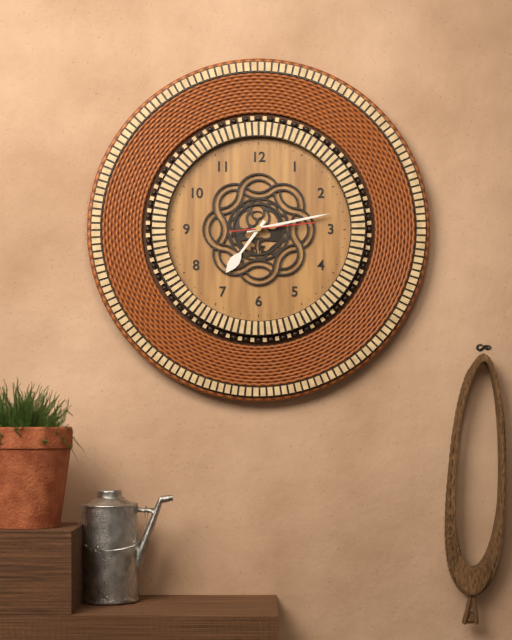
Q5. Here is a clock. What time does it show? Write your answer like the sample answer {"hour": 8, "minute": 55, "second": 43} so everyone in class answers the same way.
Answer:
{"hour": 7, "minute": 13, "second": 14}
